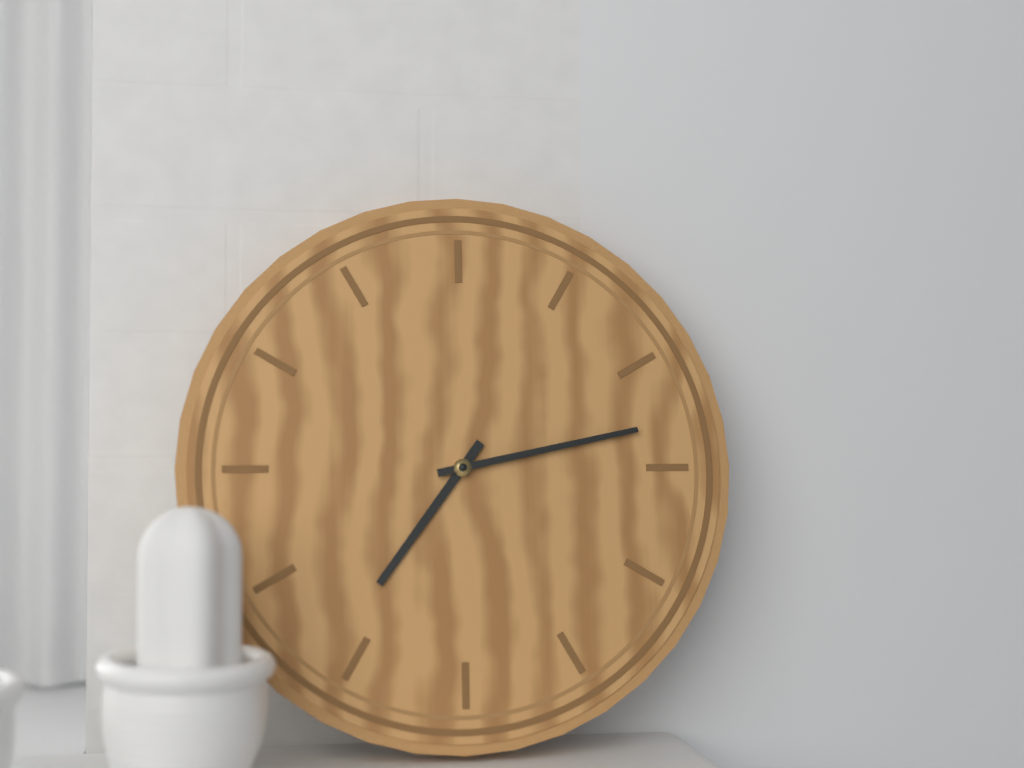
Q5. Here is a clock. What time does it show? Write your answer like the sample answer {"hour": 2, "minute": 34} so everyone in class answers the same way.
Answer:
{"hour": 7, "minute": 13}
